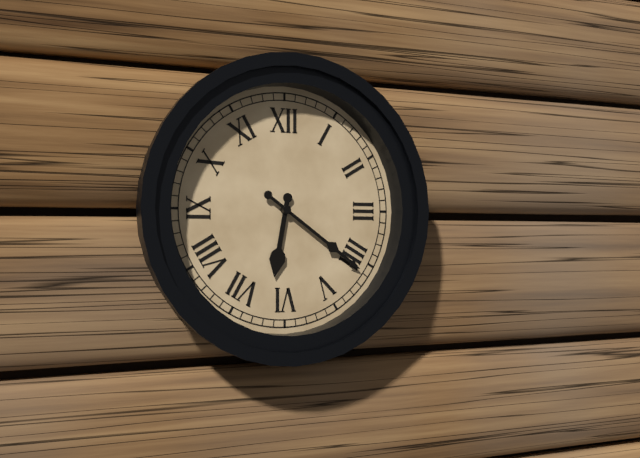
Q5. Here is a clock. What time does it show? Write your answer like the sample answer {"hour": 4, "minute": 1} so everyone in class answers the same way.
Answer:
{"hour": 6, "minute": 21}
